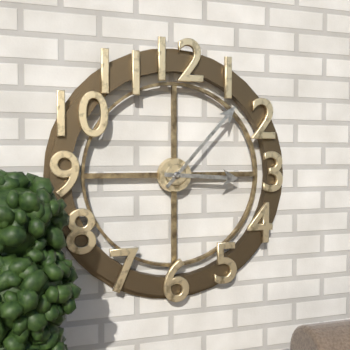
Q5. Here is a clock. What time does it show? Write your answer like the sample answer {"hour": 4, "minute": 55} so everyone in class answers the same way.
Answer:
{"hour": 3, "minute": 7}
